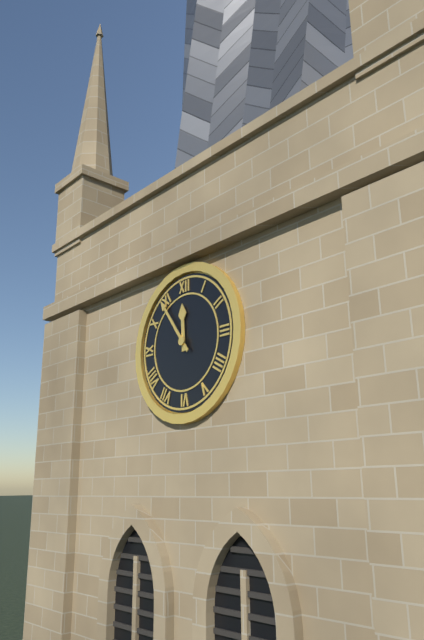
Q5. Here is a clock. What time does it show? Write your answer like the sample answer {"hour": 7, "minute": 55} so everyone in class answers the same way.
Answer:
{"hour": 11, "minute": 54}
